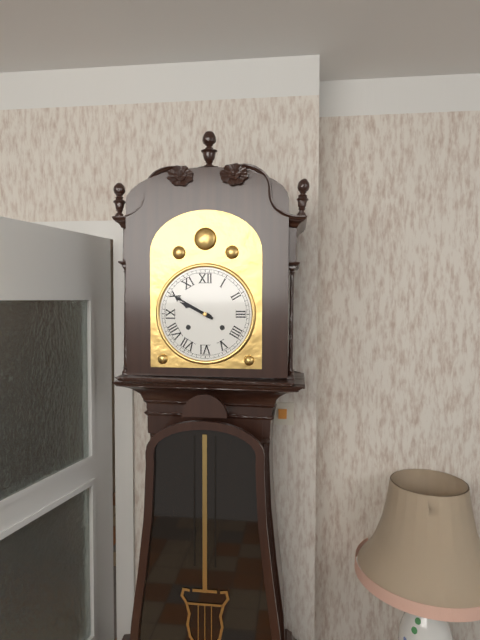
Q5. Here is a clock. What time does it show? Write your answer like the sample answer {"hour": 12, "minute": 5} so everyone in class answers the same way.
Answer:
{"hour": 9, "minute": 50}
